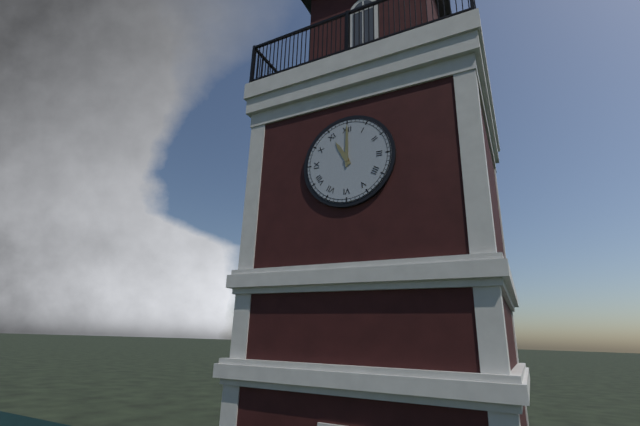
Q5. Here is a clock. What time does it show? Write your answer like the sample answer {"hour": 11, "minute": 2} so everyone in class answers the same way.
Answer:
{"hour": 11, "minute": 0}
